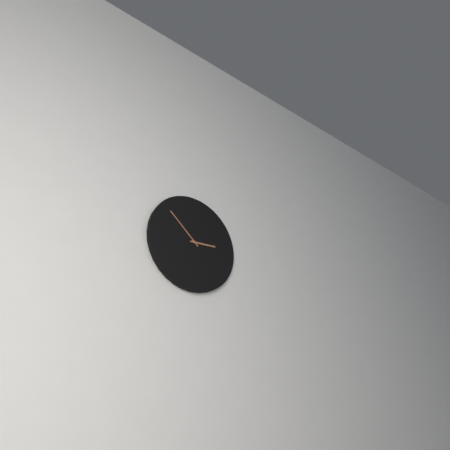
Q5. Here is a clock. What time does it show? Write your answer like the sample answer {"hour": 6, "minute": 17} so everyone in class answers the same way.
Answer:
{"hour": 2, "minute": 52}
